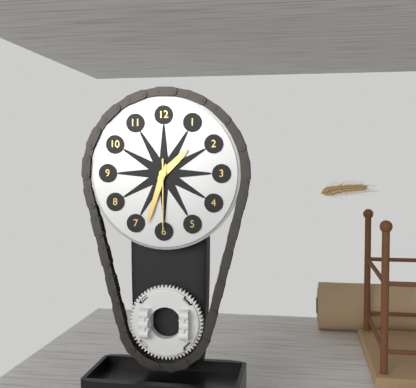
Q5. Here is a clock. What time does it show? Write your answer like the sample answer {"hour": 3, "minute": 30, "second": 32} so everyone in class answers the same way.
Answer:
{"hour": 1, "minute": 33, "second": 30}
